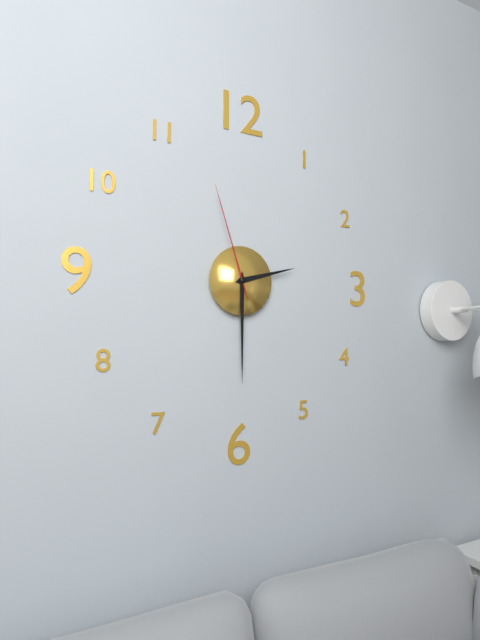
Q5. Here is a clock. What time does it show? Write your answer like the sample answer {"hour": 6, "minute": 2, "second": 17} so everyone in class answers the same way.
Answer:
{"hour": 2, "minute": 30, "second": 57}
